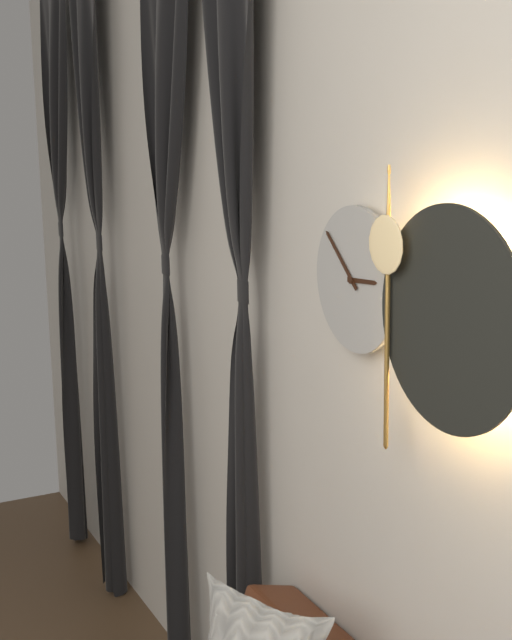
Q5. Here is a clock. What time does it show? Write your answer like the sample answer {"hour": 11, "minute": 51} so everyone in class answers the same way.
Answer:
{"hour": 2, "minute": 52}
